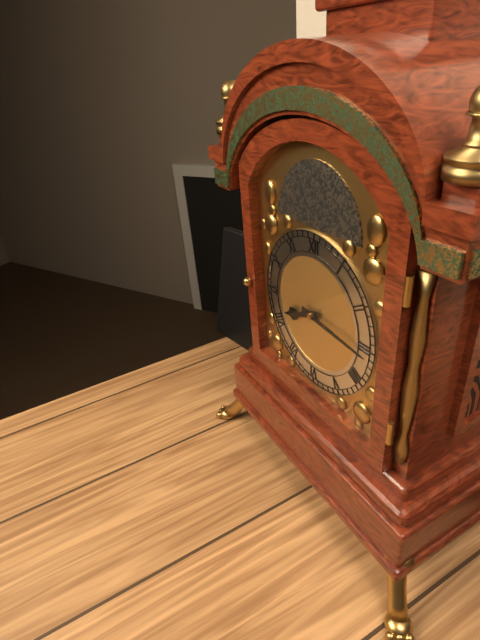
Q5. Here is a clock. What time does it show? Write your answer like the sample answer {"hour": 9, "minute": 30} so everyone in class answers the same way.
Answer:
{"hour": 8, "minute": 16}
